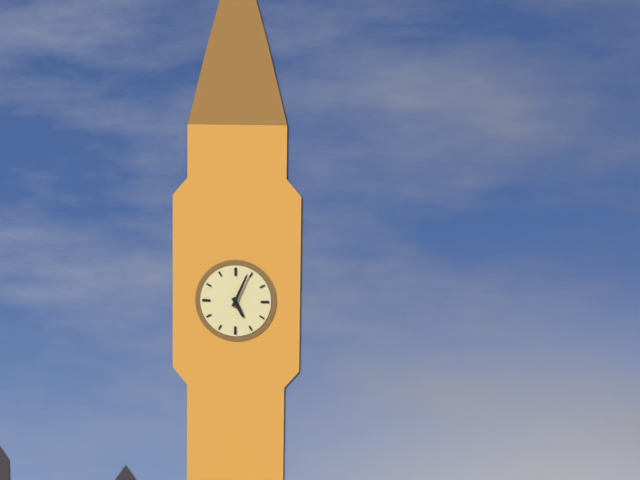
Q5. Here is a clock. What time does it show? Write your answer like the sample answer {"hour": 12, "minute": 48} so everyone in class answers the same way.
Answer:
{"hour": 5, "minute": 4}
